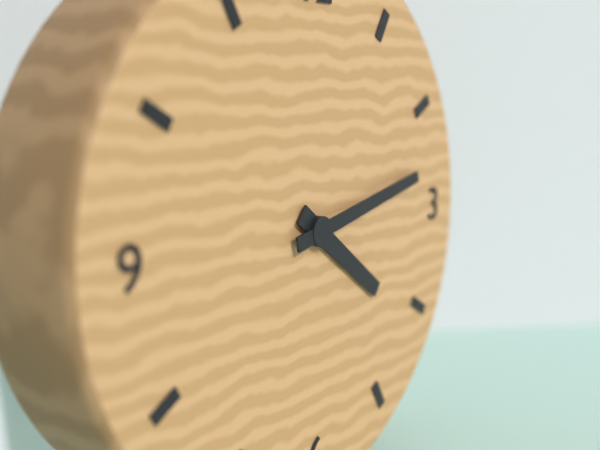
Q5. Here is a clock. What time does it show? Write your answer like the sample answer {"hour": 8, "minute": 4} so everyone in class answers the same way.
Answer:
{"hour": 4, "minute": 13}
